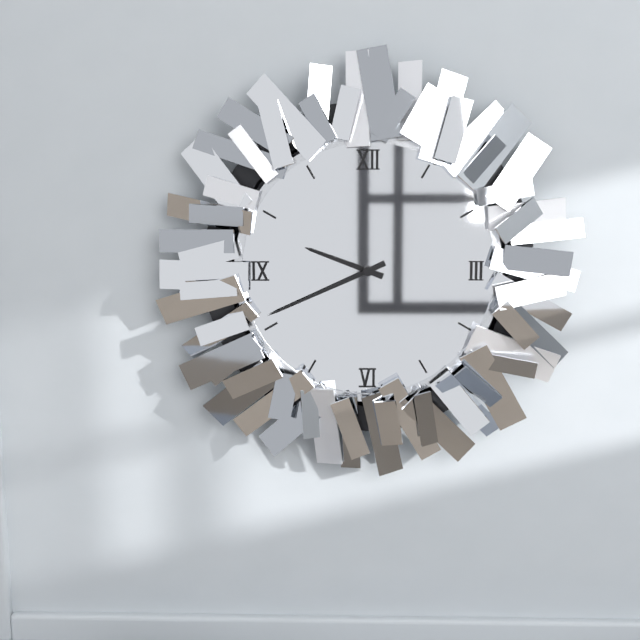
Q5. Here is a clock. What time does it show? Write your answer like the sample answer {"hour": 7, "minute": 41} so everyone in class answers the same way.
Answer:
{"hour": 9, "minute": 41}
